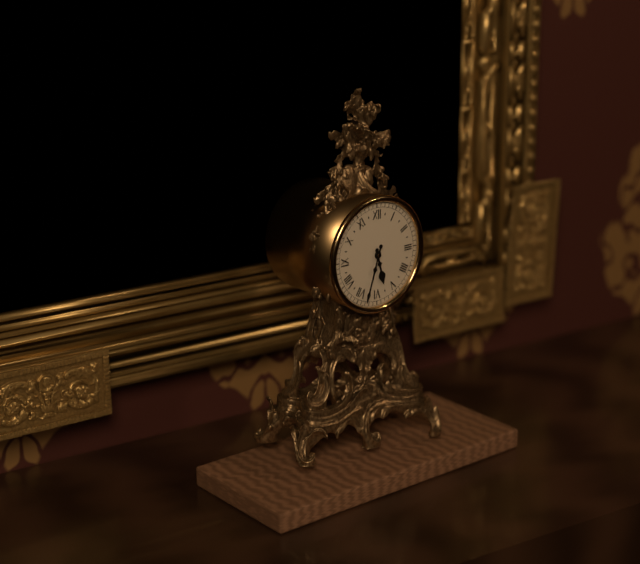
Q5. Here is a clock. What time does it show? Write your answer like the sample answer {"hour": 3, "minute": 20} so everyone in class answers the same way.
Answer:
{"hour": 5, "minute": 33}
